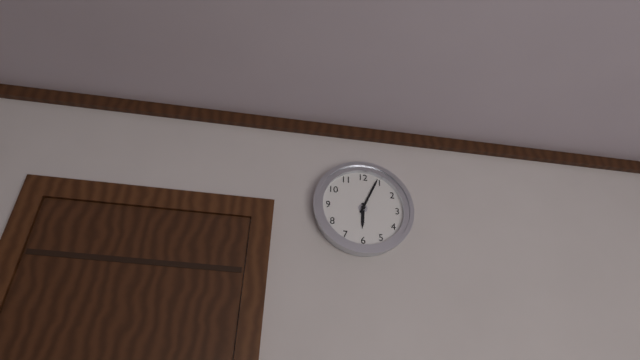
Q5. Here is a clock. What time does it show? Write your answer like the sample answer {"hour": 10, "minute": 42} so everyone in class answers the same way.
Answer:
{"hour": 6, "minute": 4}
